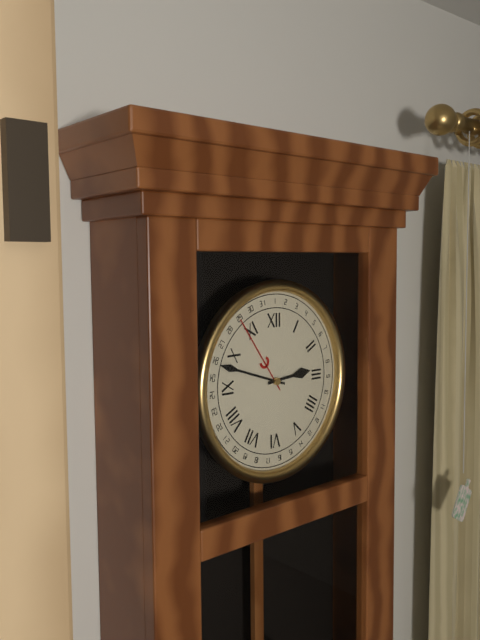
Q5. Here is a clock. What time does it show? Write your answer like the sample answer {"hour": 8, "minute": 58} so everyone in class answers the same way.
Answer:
{"hour": 2, "minute": 48}
